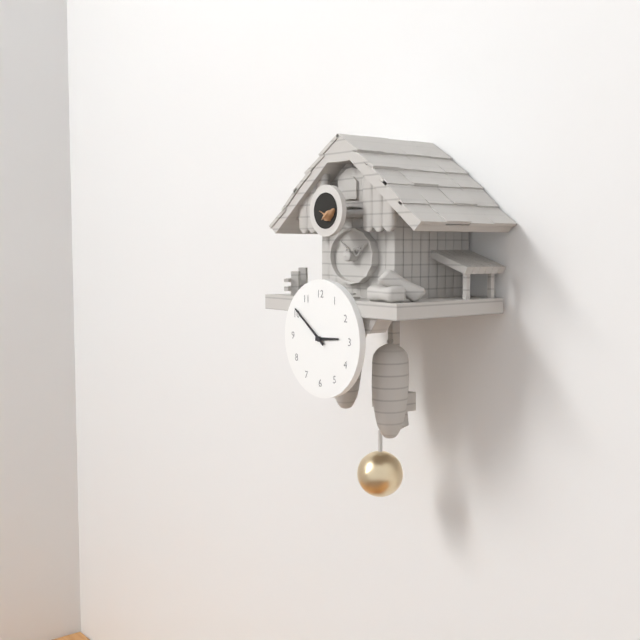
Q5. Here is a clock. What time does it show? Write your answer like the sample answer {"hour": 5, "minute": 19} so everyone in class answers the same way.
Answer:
{"hour": 2, "minute": 51}
